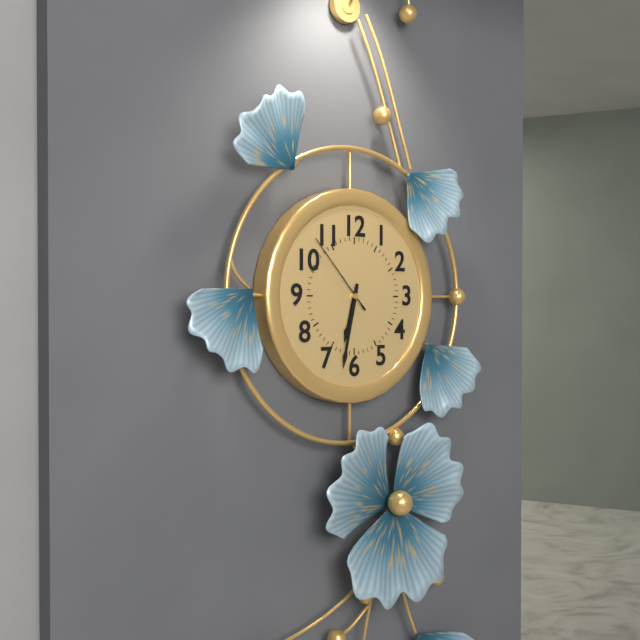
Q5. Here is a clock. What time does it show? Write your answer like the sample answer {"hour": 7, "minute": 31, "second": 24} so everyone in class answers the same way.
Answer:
{"hour": 6, "minute": 32, "second": 53}
